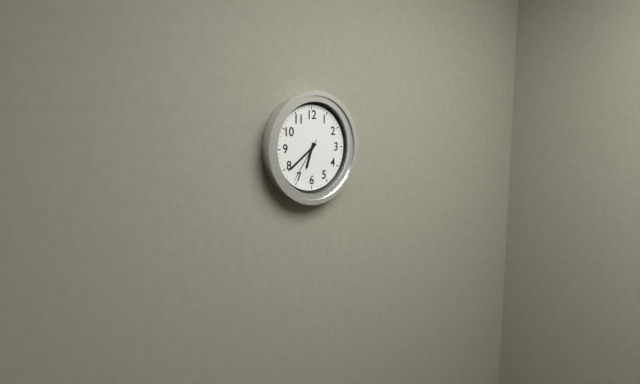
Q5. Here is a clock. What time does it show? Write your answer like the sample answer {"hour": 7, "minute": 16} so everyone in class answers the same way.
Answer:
{"hour": 6, "minute": 39}
